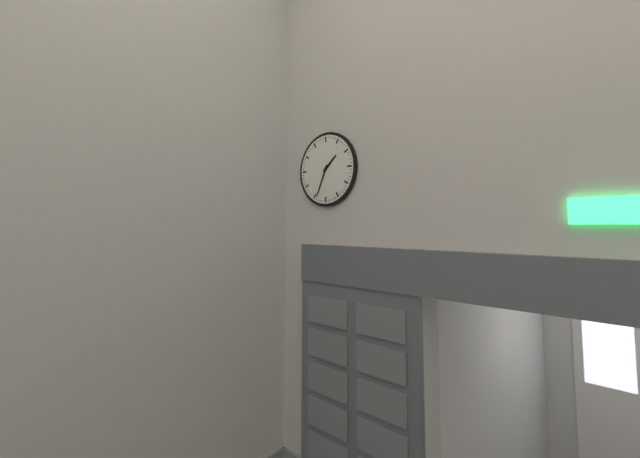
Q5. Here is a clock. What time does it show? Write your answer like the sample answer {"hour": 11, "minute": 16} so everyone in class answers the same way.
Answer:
{"hour": 1, "minute": 34}
